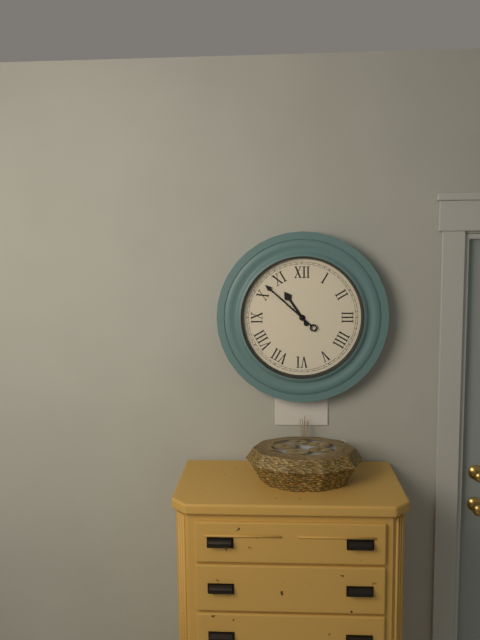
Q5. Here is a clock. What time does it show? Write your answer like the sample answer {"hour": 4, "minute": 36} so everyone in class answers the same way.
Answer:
{"hour": 10, "minute": 52}
